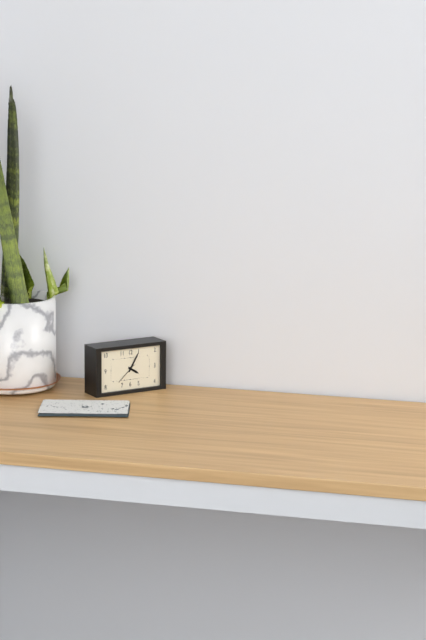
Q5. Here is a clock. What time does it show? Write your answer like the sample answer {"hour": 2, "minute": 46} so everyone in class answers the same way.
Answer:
{"hour": 4, "minute": 5}
